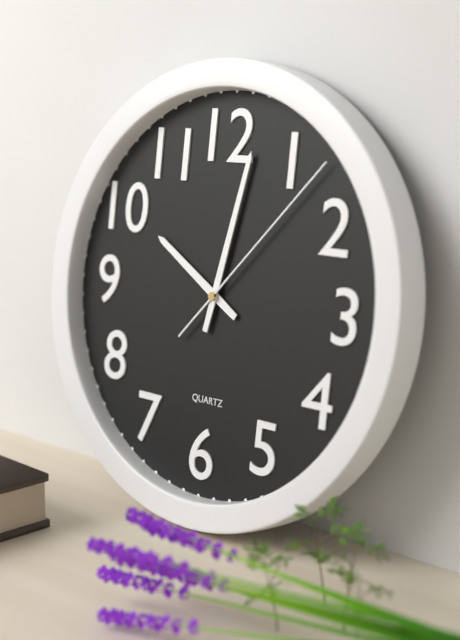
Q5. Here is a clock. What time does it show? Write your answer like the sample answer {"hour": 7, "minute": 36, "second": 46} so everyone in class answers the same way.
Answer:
{"hour": 10, "minute": 2, "second": 7}
